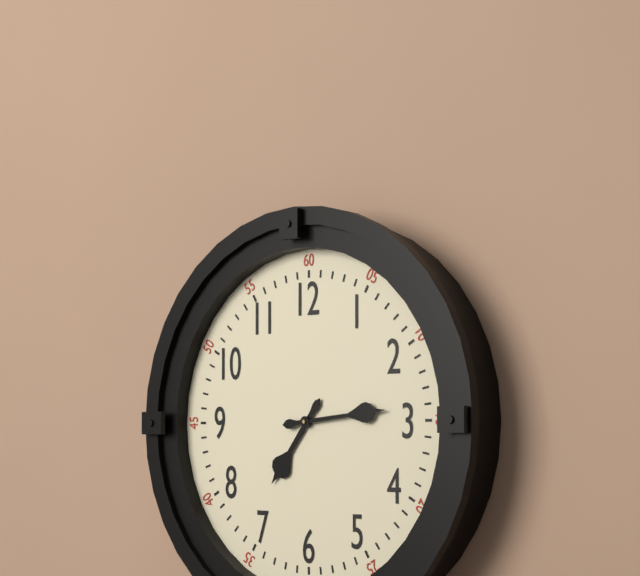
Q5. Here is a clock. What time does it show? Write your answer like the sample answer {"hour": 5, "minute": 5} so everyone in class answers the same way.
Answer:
{"hour": 7, "minute": 14}
